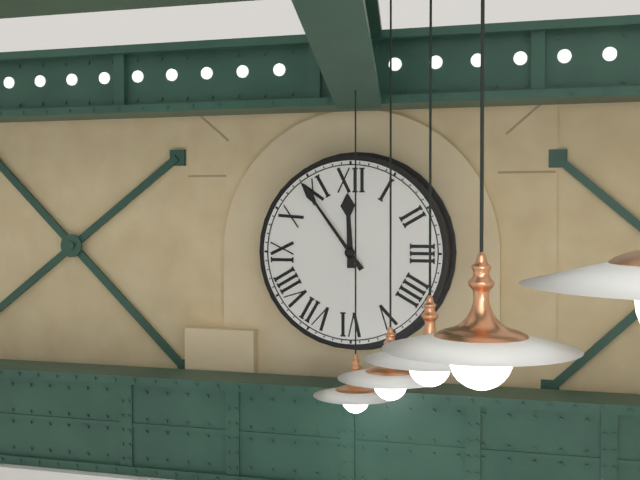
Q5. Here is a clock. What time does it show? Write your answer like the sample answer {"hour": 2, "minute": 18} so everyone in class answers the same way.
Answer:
{"hour": 11, "minute": 54}
